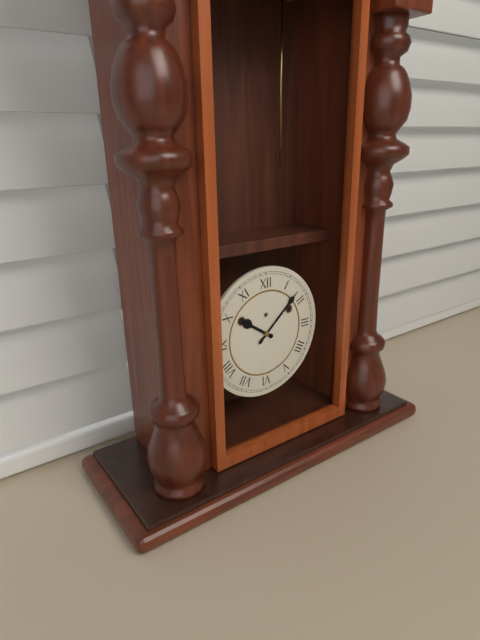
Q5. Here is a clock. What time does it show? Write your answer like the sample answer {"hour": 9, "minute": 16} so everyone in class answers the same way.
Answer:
{"hour": 10, "minute": 8}
